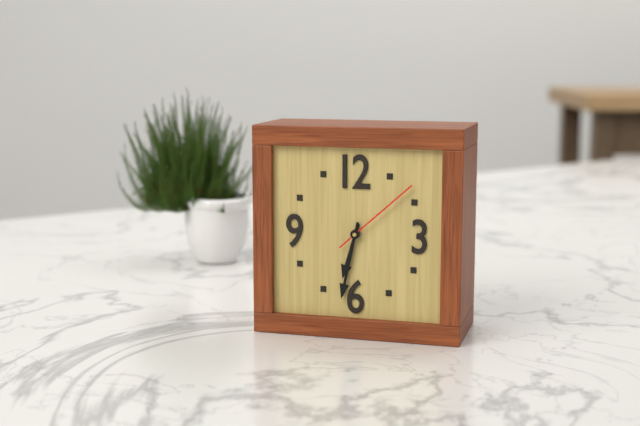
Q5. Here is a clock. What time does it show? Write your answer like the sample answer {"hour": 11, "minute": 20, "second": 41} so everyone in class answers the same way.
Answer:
{"hour": 6, "minute": 32, "second": 8}
